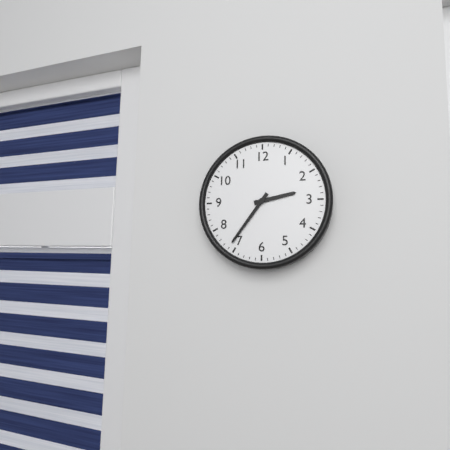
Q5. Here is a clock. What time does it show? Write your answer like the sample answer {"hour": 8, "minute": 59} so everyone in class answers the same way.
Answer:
{"hour": 2, "minute": 36}
